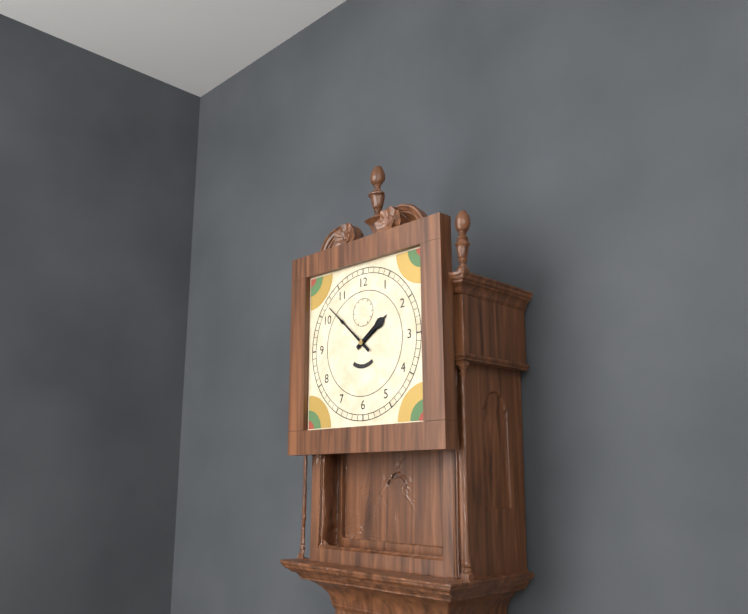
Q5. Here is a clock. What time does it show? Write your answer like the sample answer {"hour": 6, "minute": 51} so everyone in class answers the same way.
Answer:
{"hour": 1, "minute": 52}
